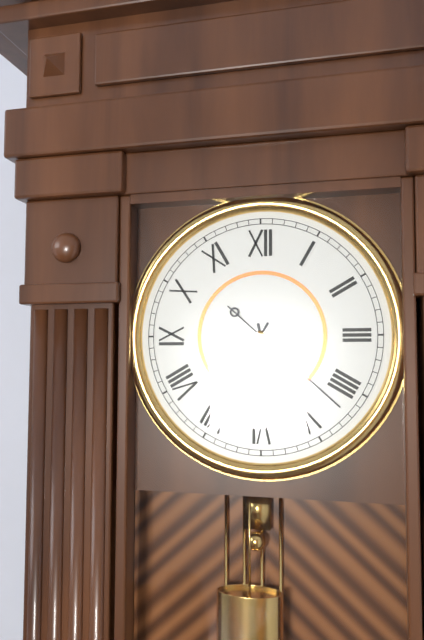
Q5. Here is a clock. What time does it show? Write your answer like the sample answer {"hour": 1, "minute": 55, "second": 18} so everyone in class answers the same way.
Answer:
{"hour": 5, "minute": 35, "second": 22}
